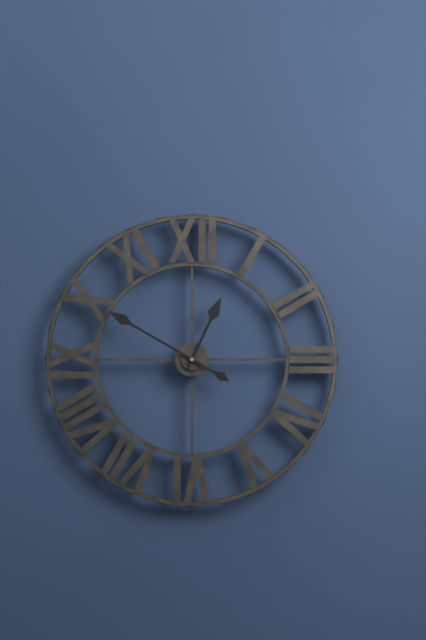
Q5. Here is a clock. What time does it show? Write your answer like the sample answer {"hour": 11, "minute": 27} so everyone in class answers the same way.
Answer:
{"hour": 12, "minute": 50}
